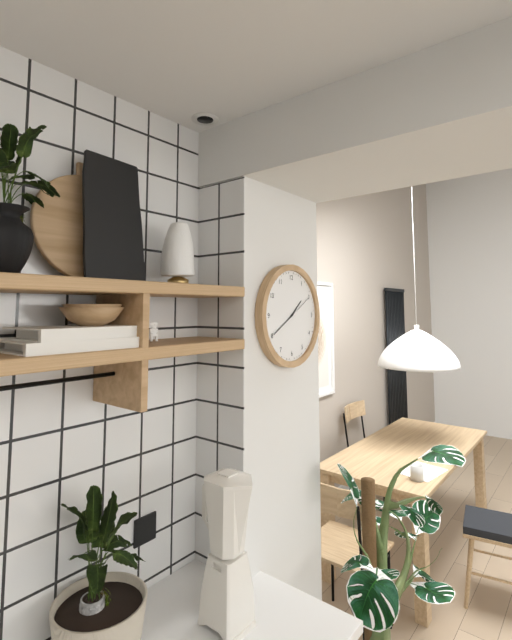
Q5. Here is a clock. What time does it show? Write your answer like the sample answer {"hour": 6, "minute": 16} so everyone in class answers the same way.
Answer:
{"hour": 1, "minute": 40}
